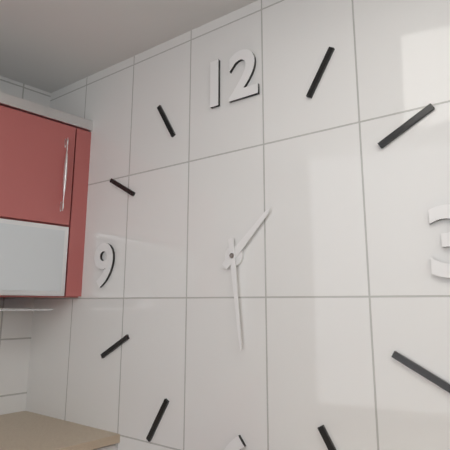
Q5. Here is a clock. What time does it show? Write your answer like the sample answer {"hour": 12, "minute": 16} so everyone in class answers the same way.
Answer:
{"hour": 1, "minute": 29}
